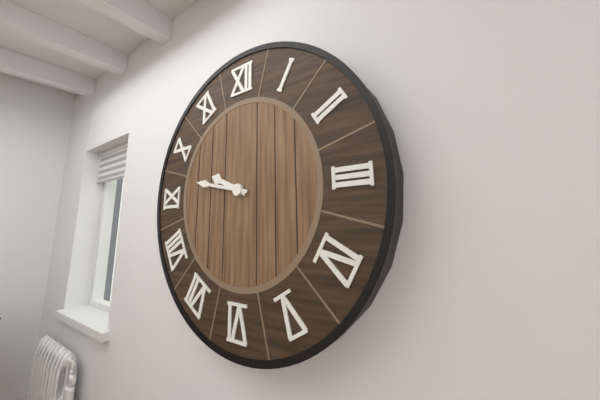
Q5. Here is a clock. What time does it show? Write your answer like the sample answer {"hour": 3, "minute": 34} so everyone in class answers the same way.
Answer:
{"hour": 9, "minute": 47}
